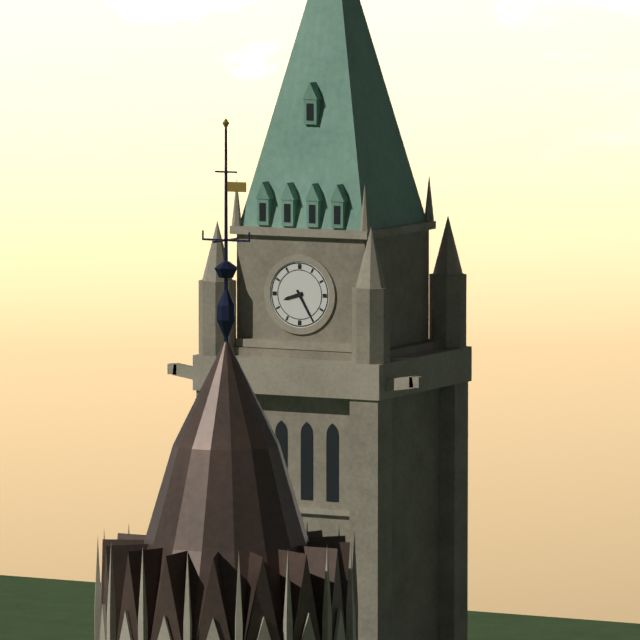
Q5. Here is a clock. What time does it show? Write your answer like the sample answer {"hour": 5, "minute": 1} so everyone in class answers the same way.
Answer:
{"hour": 8, "minute": 25}
